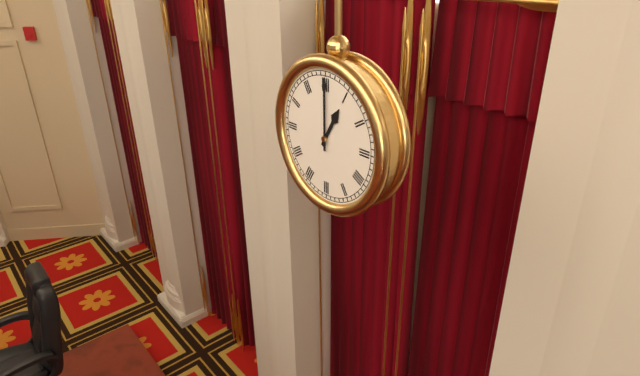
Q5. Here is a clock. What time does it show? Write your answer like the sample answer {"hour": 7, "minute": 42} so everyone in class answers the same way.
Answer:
{"hour": 1, "minute": 0}
